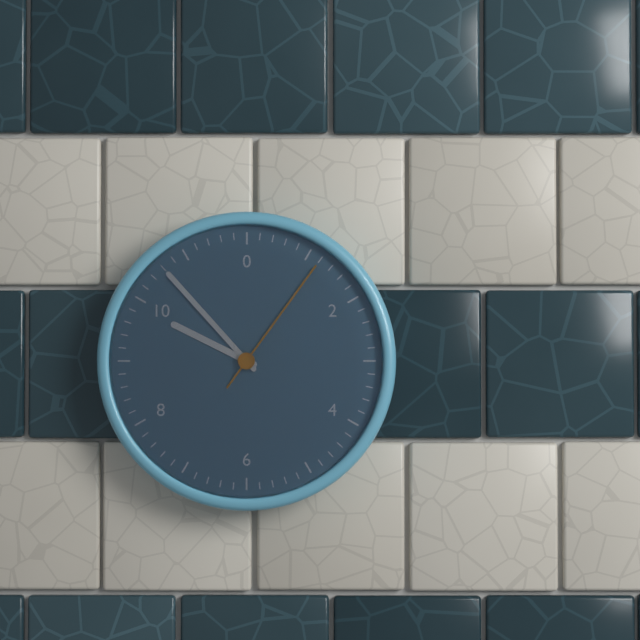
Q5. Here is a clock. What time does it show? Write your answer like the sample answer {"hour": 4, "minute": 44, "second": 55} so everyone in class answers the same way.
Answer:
{"hour": 9, "minute": 53, "second": 6}
